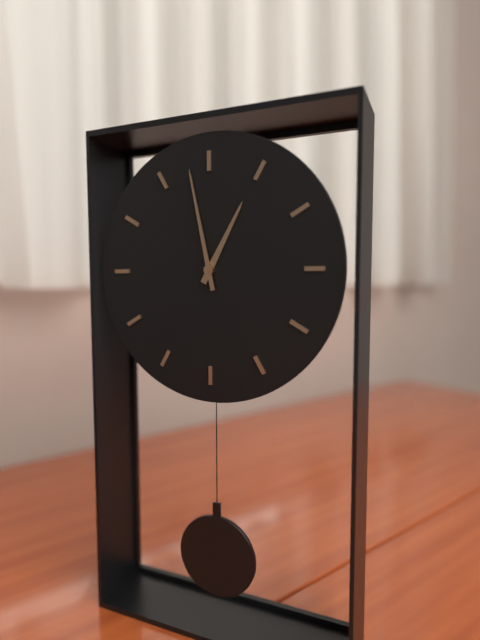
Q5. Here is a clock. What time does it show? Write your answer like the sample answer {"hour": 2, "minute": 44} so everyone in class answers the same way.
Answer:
{"hour": 12, "minute": 58}
